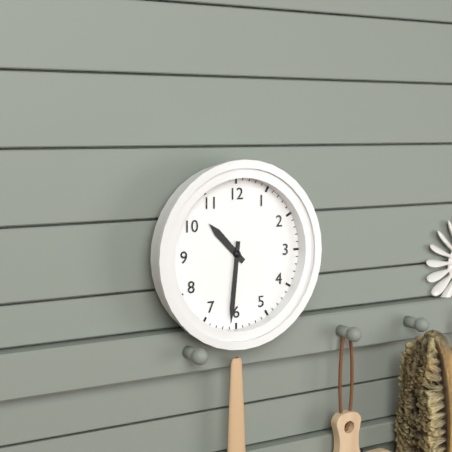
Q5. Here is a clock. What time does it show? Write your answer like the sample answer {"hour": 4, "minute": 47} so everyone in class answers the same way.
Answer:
{"hour": 10, "minute": 31}
